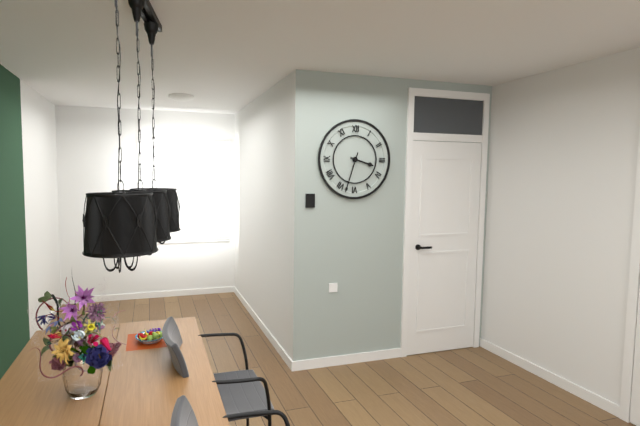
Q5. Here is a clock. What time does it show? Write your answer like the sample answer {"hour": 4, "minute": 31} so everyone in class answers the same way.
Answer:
{"hour": 3, "minute": 33}
